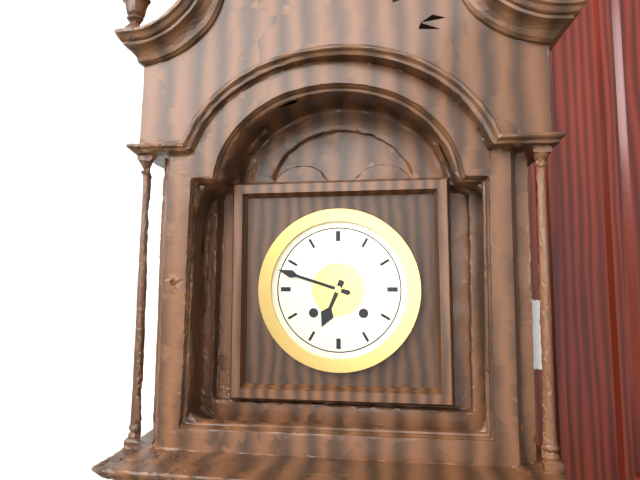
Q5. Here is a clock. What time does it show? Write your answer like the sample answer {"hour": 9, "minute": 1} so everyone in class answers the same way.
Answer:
{"hour": 6, "minute": 48}
